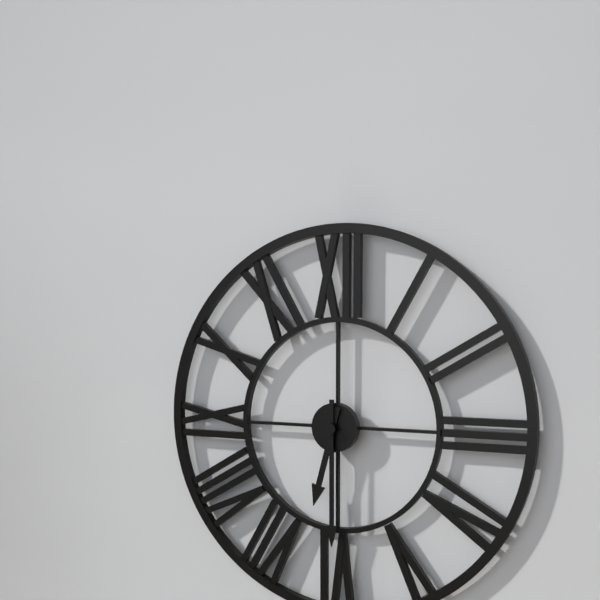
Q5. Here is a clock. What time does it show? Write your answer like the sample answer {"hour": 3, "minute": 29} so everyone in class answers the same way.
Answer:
{"hour": 6, "minute": 30}
